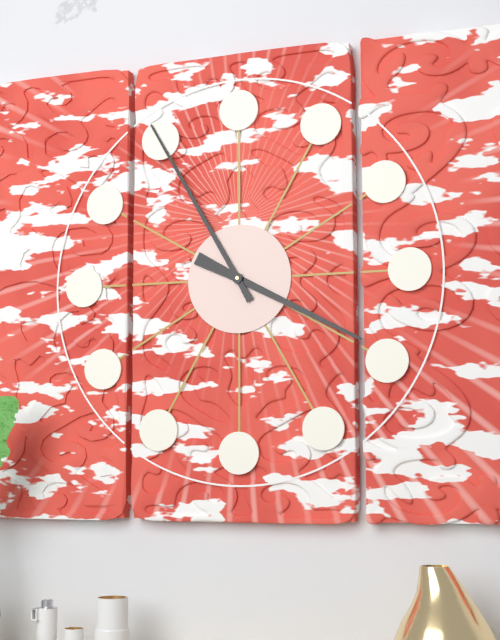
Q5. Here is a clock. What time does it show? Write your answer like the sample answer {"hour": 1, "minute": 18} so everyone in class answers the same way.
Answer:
{"hour": 3, "minute": 55}
